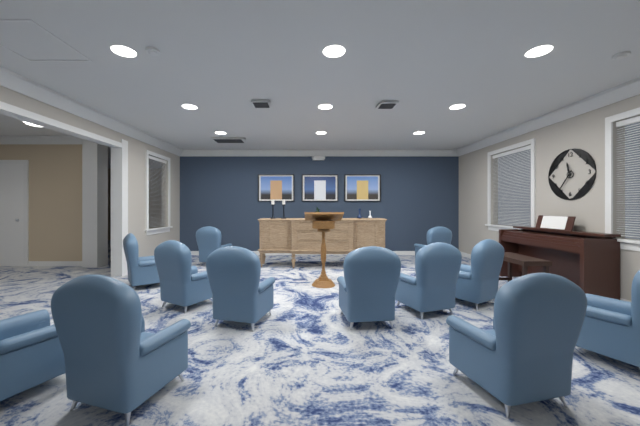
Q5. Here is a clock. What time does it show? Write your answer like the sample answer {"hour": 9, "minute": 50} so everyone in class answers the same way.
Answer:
{"hour": 11, "minute": 36}
